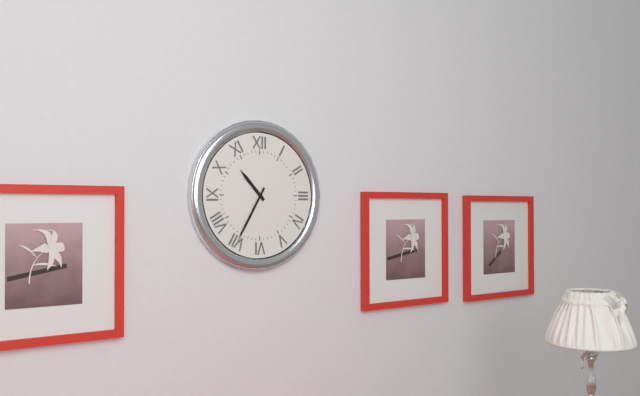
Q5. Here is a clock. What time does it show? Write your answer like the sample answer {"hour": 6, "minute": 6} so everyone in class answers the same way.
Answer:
{"hour": 10, "minute": 35}
